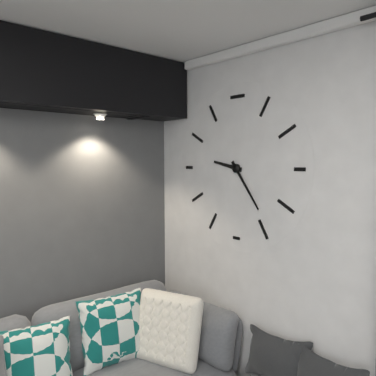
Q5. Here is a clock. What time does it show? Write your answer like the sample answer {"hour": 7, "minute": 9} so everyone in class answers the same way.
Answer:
{"hour": 9, "minute": 24}
